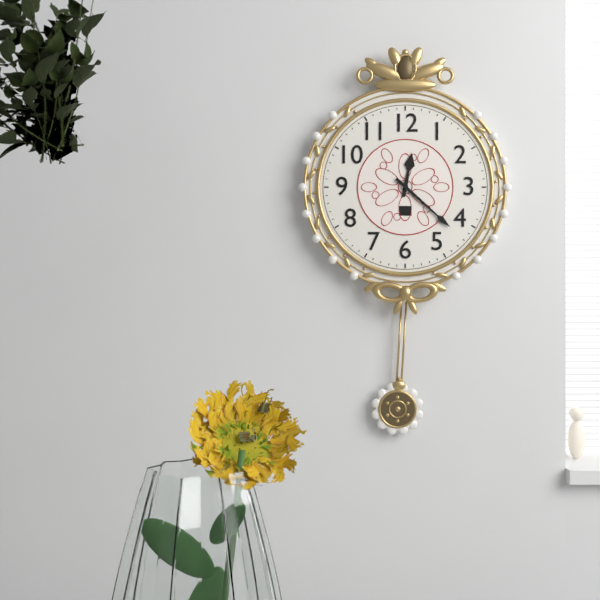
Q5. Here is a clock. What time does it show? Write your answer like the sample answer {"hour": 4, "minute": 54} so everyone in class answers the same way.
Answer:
{"hour": 12, "minute": 22}
